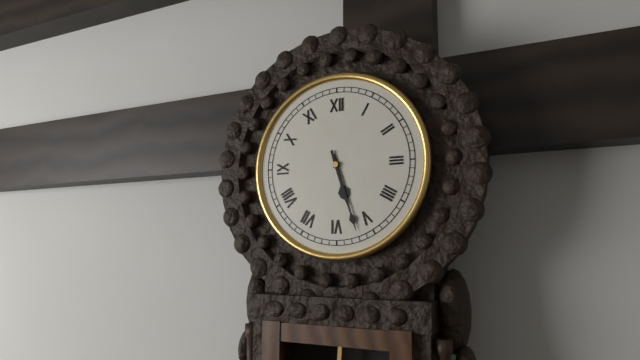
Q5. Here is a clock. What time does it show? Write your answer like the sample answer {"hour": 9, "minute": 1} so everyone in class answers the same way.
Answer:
{"hour": 5, "minute": 27}
